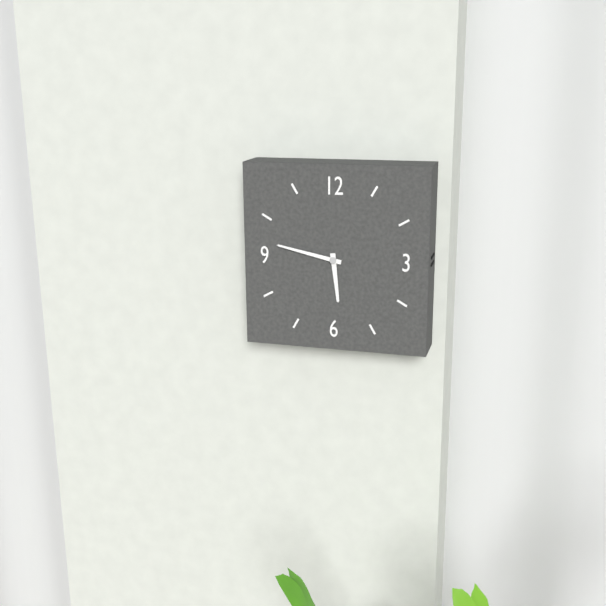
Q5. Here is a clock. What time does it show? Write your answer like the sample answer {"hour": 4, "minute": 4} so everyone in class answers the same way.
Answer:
{"hour": 5, "minute": 47}
